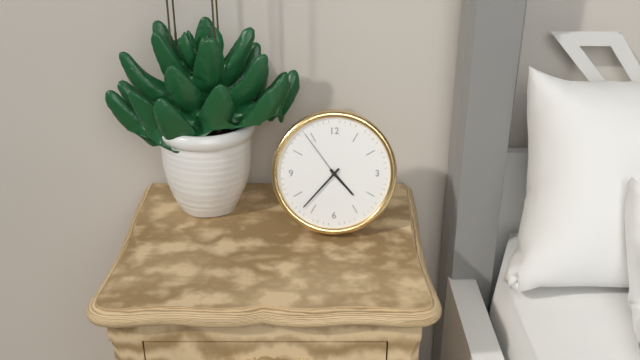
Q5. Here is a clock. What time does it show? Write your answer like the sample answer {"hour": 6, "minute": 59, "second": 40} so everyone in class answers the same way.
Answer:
{"hour": 4, "minute": 37, "second": 54}
